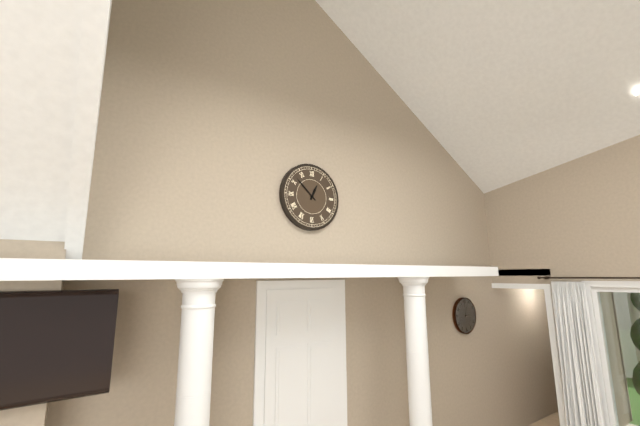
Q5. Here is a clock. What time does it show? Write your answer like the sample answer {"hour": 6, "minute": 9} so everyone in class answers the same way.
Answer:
{"hour": 12, "minute": 52}
